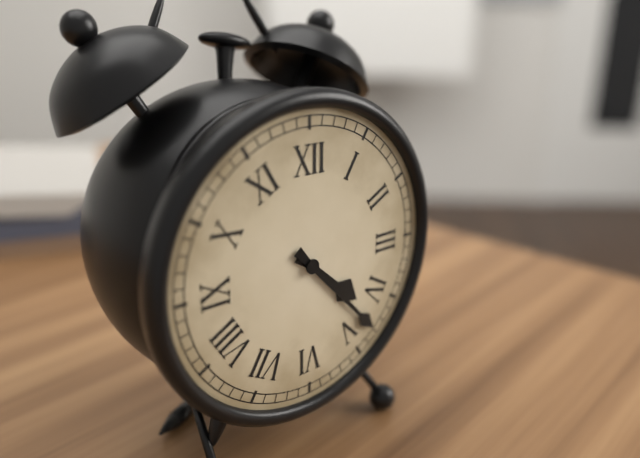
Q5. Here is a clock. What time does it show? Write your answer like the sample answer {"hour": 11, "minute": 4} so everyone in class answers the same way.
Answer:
{"hour": 4, "minute": 23}
